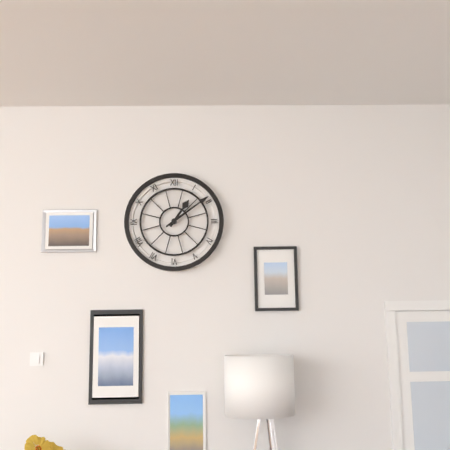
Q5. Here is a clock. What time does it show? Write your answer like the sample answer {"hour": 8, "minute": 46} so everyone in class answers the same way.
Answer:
{"hour": 1, "minute": 9}
